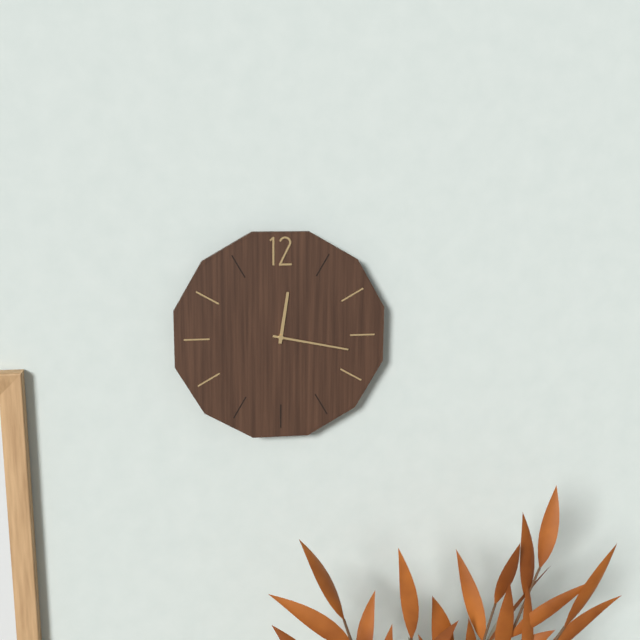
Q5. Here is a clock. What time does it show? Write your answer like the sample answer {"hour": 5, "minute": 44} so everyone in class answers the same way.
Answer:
{"hour": 12, "minute": 17}
